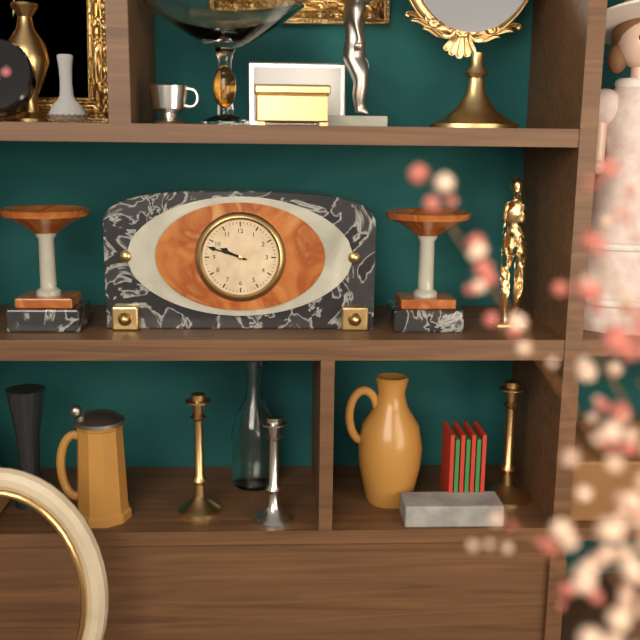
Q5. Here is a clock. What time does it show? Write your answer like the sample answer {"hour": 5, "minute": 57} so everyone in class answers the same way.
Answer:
{"hour": 9, "minute": 48}
